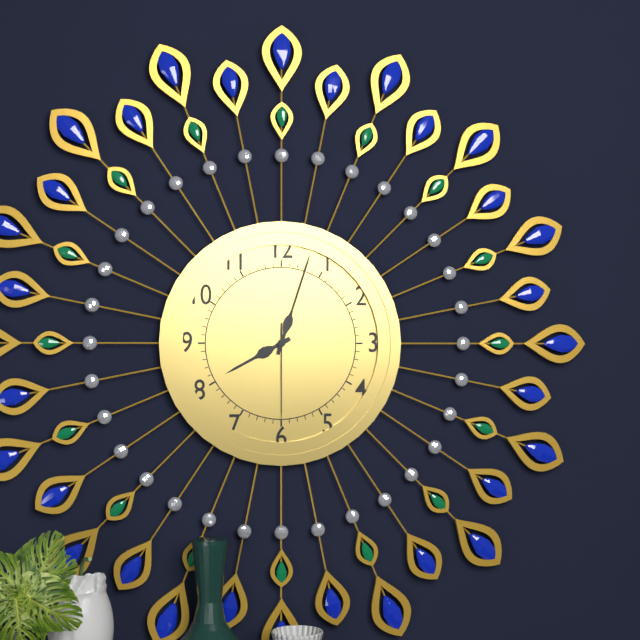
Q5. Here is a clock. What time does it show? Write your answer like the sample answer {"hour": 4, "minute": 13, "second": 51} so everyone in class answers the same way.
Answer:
{"hour": 8, "minute": 3, "second": 30}
